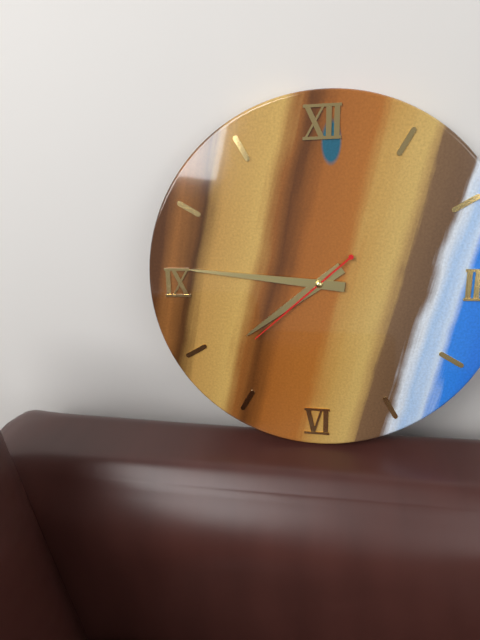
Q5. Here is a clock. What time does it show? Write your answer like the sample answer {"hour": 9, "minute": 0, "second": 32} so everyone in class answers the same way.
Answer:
{"hour": 7, "minute": 46, "second": 38}
